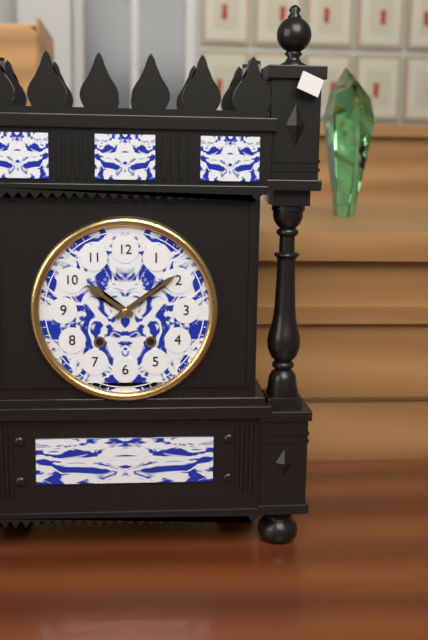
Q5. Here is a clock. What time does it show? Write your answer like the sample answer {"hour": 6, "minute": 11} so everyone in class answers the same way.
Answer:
{"hour": 10, "minute": 9}
